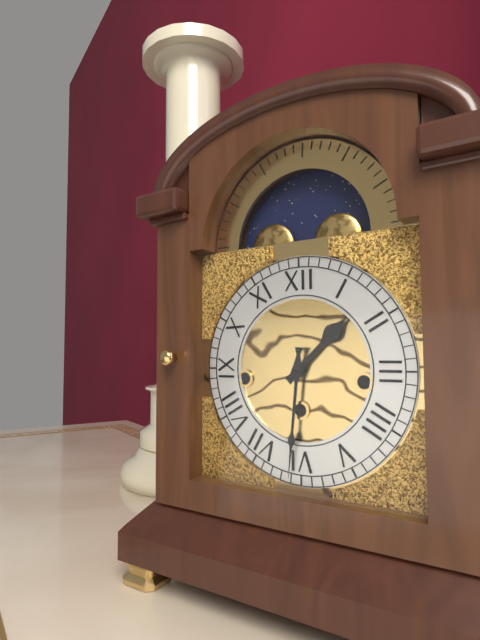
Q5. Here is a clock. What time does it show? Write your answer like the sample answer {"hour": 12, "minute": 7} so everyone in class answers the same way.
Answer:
{"hour": 1, "minute": 31}
